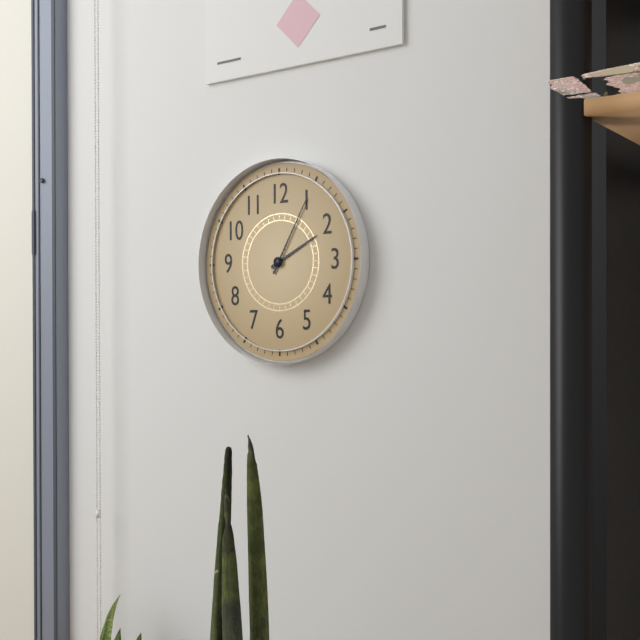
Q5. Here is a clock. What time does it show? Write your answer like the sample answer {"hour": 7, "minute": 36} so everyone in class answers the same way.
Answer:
{"hour": 2, "minute": 5}
